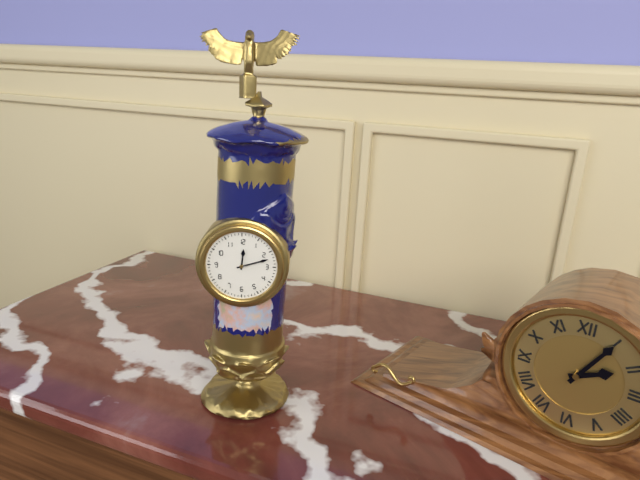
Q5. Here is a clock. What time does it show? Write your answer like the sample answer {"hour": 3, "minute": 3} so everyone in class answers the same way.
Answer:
{"hour": 12, "minute": 12}
